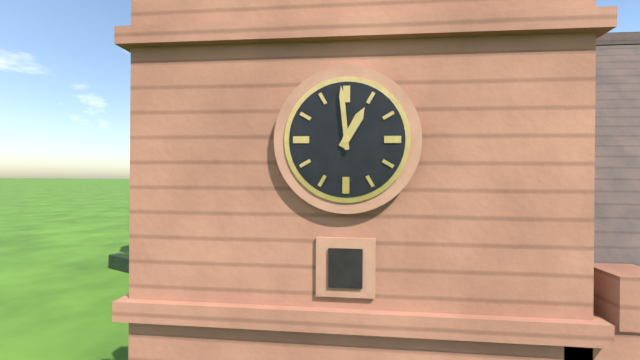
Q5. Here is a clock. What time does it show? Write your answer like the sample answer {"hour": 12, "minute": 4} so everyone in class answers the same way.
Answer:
{"hour": 12, "minute": 59}
